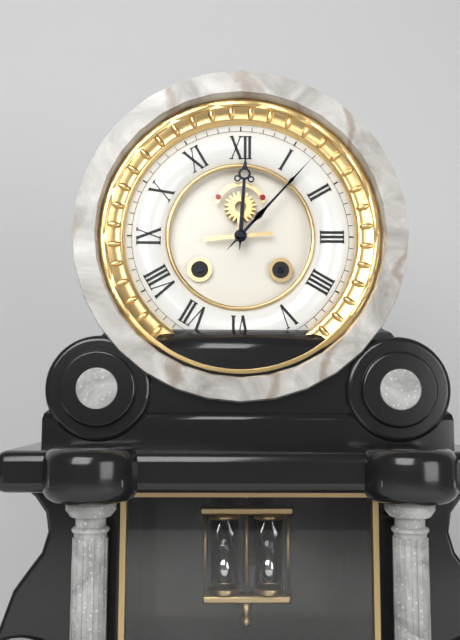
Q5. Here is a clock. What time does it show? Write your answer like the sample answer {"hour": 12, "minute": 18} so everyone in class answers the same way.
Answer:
{"hour": 12, "minute": 7}
